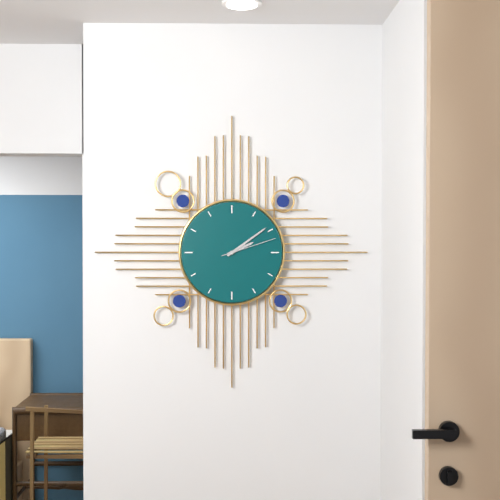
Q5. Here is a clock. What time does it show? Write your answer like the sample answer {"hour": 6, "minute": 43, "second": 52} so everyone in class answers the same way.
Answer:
{"hour": 2, "minute": 9, "second": 12}
